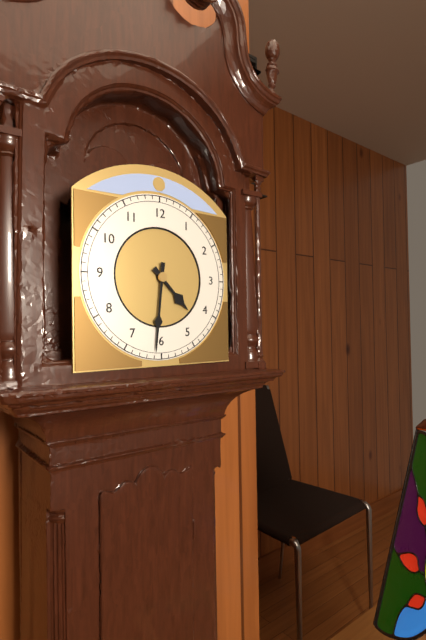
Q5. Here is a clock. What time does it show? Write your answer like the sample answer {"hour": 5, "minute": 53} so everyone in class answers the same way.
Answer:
{"hour": 4, "minute": 31}
